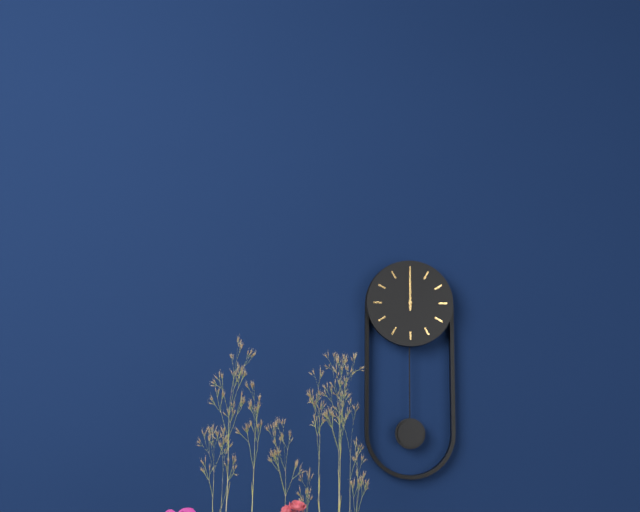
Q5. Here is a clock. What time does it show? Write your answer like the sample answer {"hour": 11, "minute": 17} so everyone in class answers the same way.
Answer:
{"hour": 12, "minute": 0}
